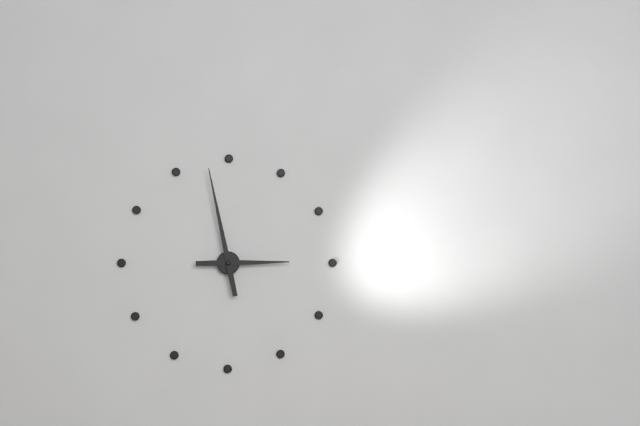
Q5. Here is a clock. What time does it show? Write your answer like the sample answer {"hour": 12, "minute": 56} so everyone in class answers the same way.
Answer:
{"hour": 2, "minute": 58}
